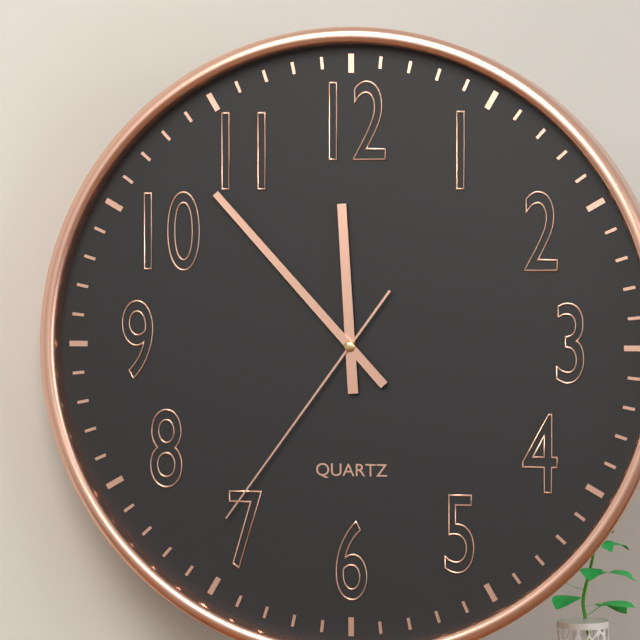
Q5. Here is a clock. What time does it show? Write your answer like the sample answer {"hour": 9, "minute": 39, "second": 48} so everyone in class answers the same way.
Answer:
{"hour": 11, "minute": 53, "second": 36}
